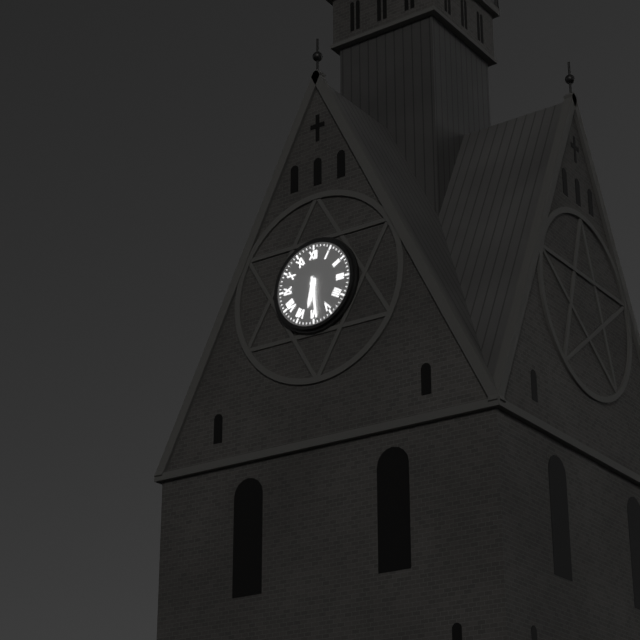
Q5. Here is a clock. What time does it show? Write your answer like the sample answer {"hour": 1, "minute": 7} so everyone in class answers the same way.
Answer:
{"hour": 6, "minute": 29}
